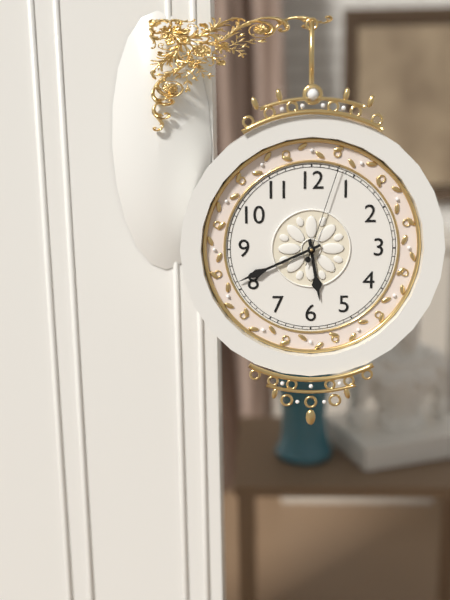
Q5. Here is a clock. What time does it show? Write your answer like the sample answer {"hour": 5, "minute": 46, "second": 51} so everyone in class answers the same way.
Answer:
{"hour": 5, "minute": 41, "second": 3}
